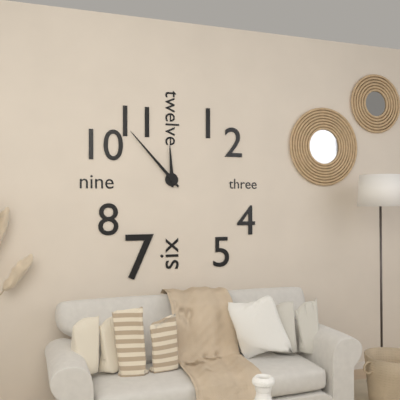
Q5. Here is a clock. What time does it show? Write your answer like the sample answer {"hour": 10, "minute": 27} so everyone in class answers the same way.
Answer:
{"hour": 11, "minute": 53}
